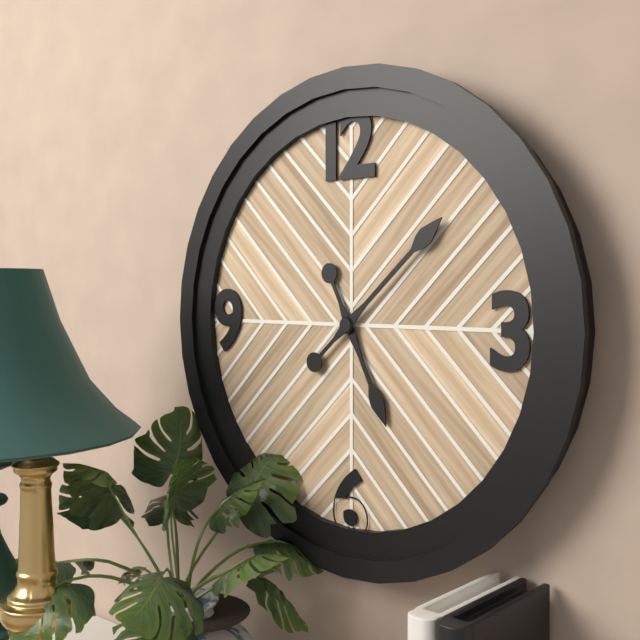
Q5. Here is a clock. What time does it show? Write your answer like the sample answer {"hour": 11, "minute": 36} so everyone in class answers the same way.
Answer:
{"hour": 5, "minute": 8}
